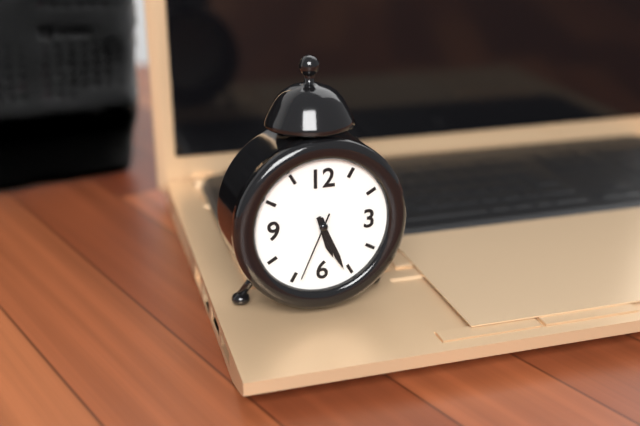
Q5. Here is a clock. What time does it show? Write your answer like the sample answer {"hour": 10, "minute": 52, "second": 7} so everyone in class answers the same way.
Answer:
{"hour": 5, "minute": 26, "second": 34}
